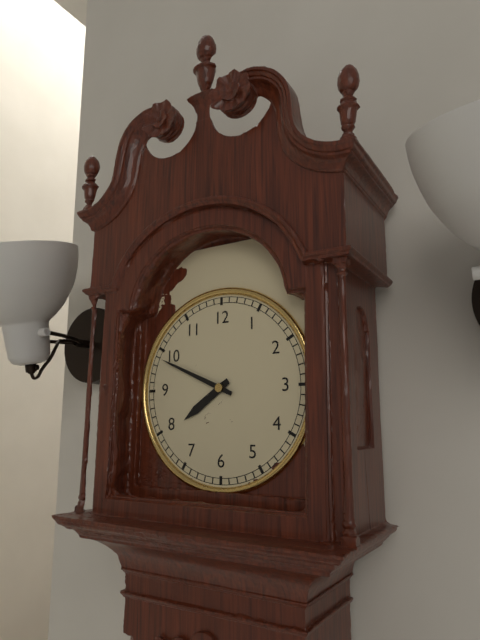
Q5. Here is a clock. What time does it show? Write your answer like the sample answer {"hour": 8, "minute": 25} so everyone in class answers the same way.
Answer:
{"hour": 7, "minute": 49}
